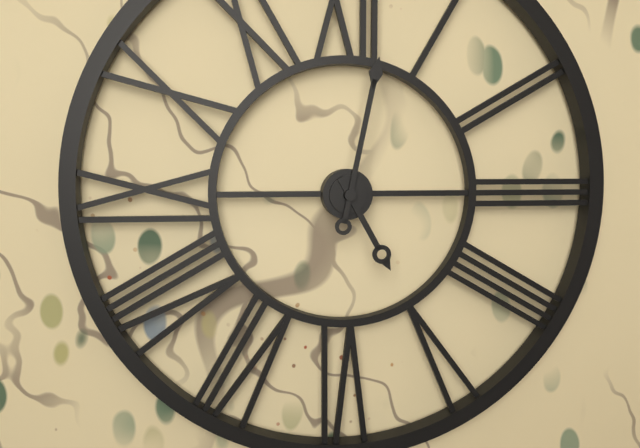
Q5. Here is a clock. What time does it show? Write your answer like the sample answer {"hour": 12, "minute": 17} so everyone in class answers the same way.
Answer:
{"hour": 5, "minute": 2}
